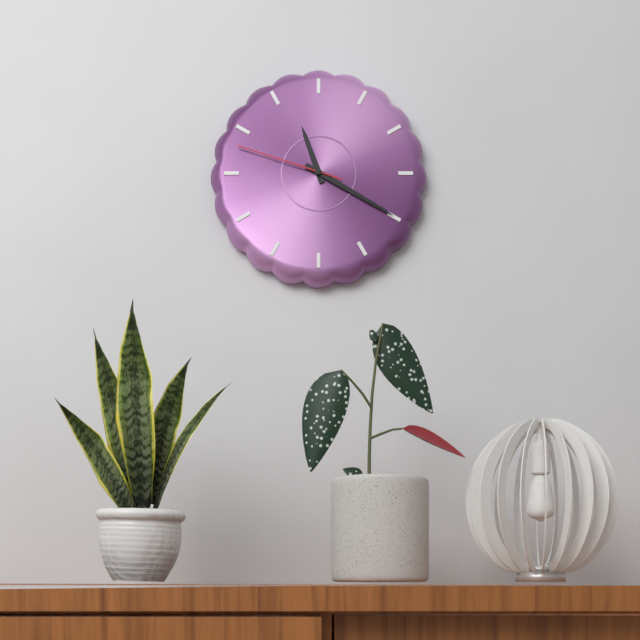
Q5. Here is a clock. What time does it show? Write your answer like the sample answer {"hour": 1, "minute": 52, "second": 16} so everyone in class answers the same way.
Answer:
{"hour": 11, "minute": 20, "second": 48}
